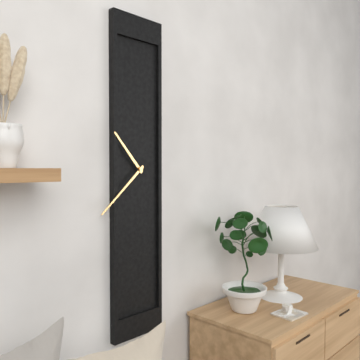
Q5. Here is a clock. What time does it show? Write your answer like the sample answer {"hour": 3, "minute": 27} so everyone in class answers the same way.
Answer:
{"hour": 10, "minute": 38}
